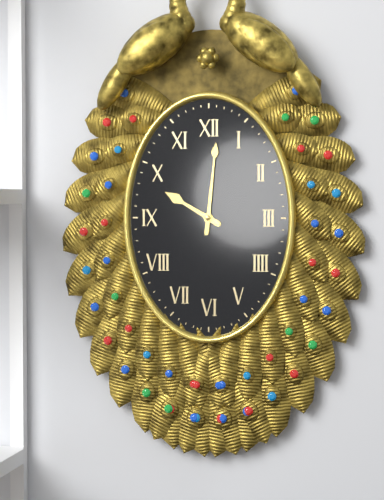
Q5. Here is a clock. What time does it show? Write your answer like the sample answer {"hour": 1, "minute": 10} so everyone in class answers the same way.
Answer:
{"hour": 10, "minute": 1}
